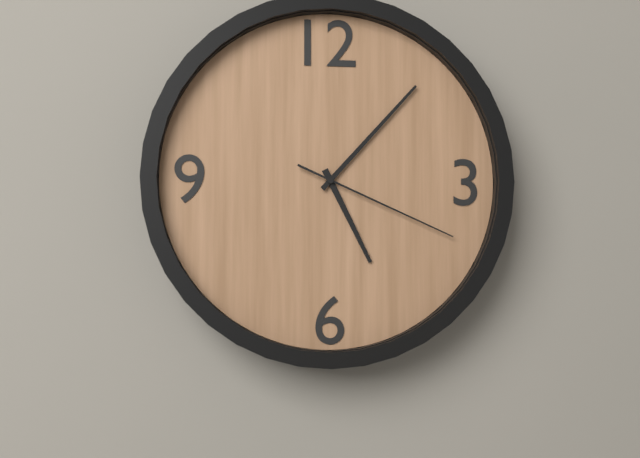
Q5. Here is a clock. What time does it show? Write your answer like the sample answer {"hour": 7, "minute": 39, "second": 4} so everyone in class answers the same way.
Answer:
{"hour": 5, "minute": 7, "second": 19}
